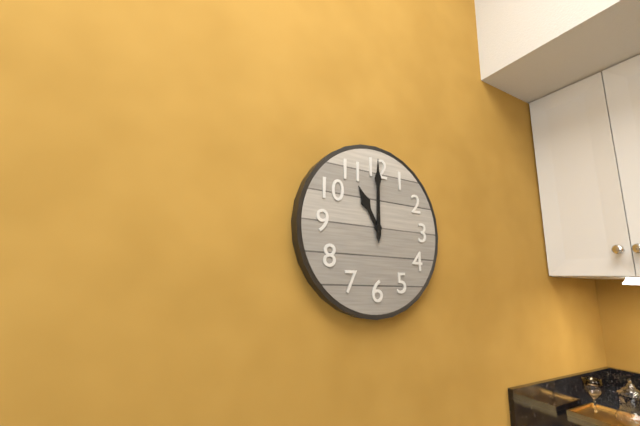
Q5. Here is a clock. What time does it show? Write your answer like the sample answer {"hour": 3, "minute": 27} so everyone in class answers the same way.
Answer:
{"hour": 11, "minute": 0}
